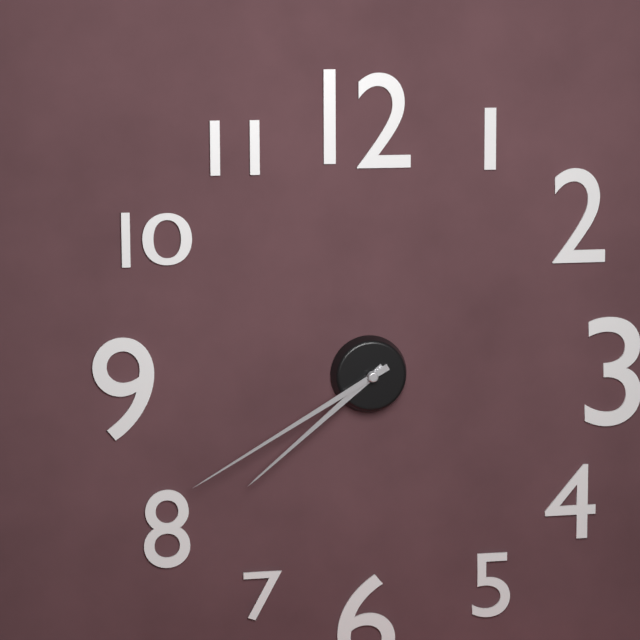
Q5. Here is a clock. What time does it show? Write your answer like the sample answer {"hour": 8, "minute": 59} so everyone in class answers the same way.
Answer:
{"hour": 7, "minute": 40}
